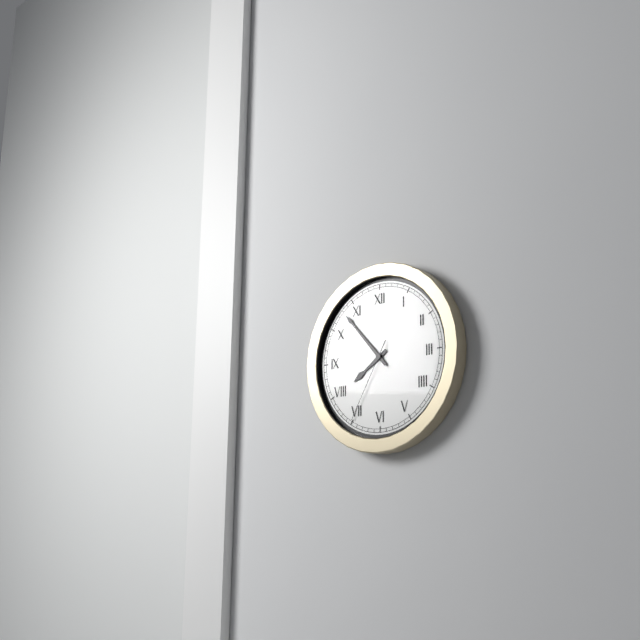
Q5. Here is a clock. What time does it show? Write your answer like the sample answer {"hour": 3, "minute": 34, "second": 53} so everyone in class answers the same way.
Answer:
{"hour": 7, "minute": 53, "second": 35}
